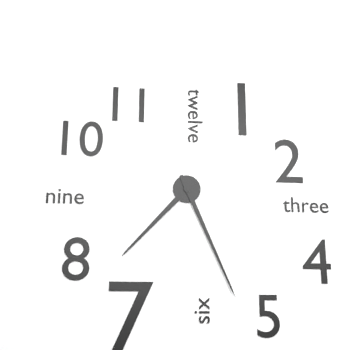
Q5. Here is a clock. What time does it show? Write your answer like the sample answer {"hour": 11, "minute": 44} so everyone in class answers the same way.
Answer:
{"hour": 7, "minute": 26}
